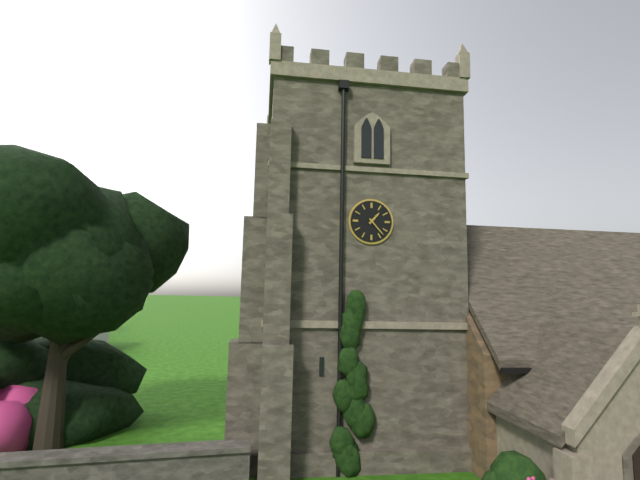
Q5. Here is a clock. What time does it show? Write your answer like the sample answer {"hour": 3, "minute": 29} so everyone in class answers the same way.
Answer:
{"hour": 1, "minute": 23}
